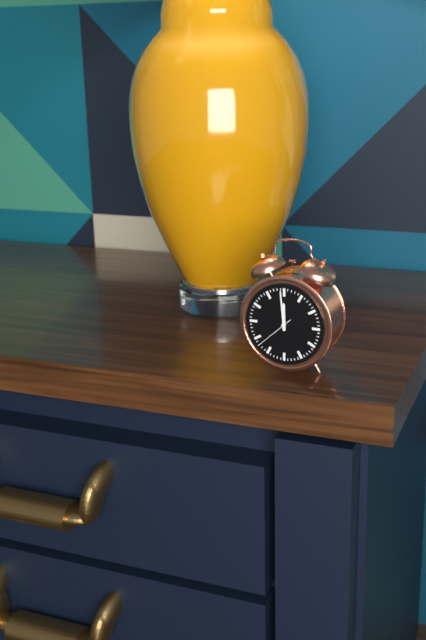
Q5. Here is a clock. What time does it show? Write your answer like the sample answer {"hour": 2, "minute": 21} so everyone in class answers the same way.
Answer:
{"hour": 11, "minute": 59}
